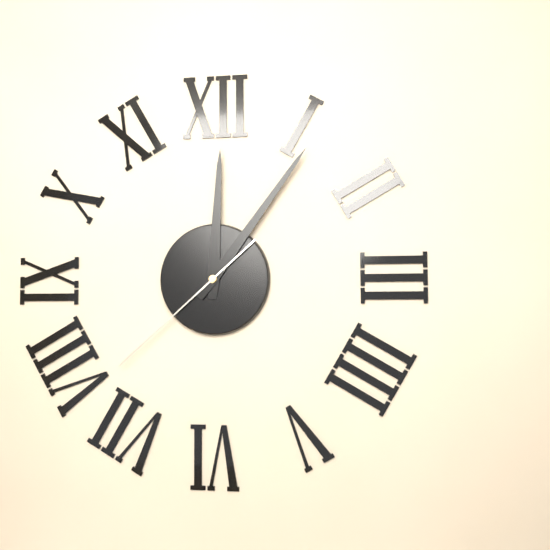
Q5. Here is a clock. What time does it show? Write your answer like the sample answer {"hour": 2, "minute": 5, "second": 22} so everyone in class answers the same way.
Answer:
{"hour": 12, "minute": 6, "second": 38}
